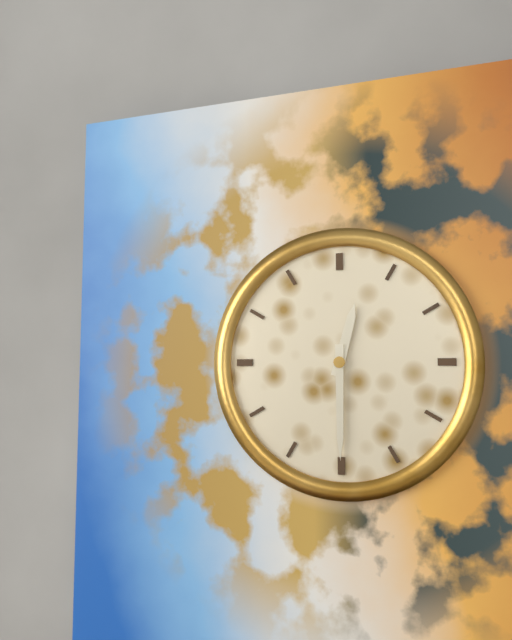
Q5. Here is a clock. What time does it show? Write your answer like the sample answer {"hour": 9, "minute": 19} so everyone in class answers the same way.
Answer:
{"hour": 12, "minute": 30}
